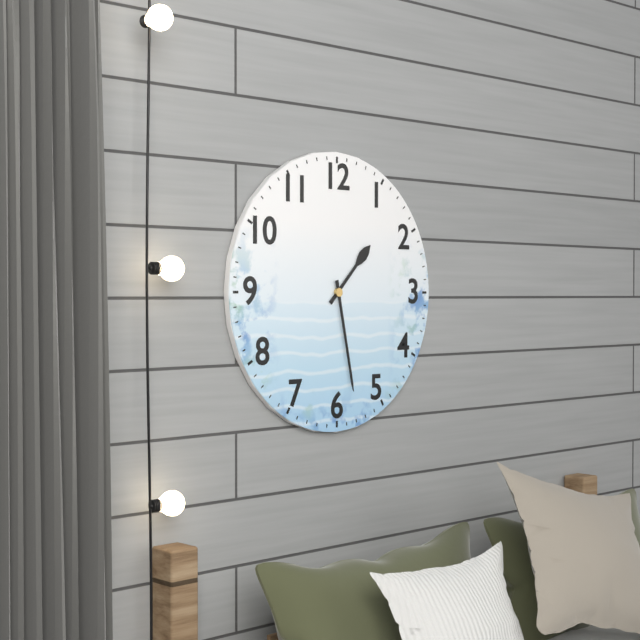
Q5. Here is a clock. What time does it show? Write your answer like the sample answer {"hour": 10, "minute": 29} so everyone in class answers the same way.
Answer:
{"hour": 1, "minute": 28}
